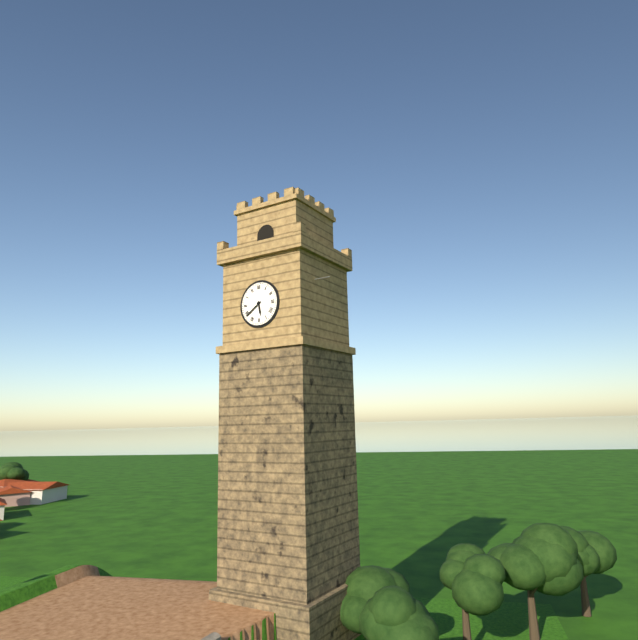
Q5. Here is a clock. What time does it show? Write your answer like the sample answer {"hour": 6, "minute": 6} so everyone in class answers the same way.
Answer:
{"hour": 5, "minute": 39}
